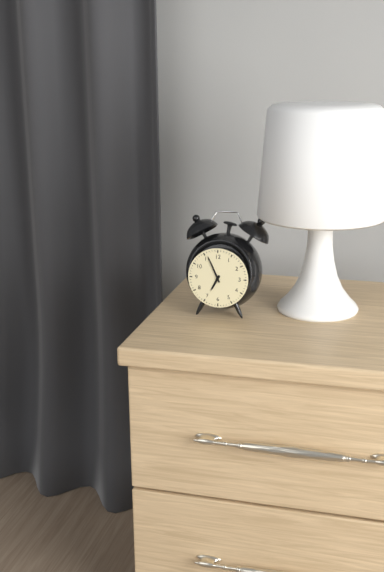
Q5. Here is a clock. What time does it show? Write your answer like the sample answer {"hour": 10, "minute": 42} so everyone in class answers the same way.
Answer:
{"hour": 6, "minute": 56}
